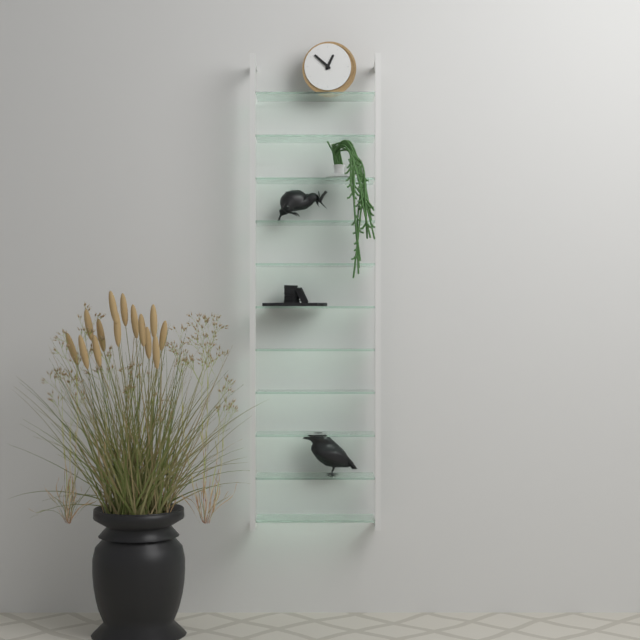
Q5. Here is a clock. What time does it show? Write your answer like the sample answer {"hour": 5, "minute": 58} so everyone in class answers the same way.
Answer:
{"hour": 12, "minute": 52}
